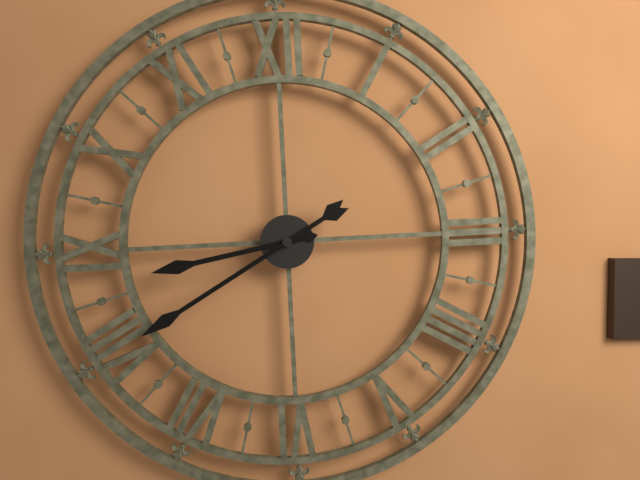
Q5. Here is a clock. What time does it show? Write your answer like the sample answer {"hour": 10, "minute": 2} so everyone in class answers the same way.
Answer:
{"hour": 8, "minute": 40}
